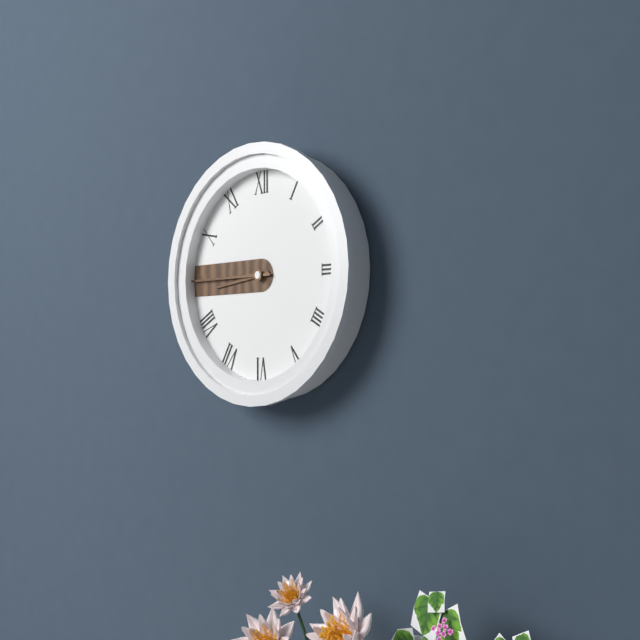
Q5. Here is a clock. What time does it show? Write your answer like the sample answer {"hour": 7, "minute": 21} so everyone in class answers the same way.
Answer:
{"hour": 8, "minute": 45}
